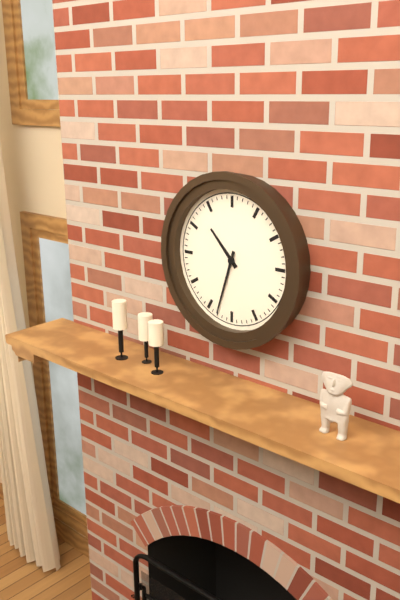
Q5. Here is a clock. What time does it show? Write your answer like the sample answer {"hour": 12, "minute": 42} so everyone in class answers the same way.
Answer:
{"hour": 10, "minute": 33}
